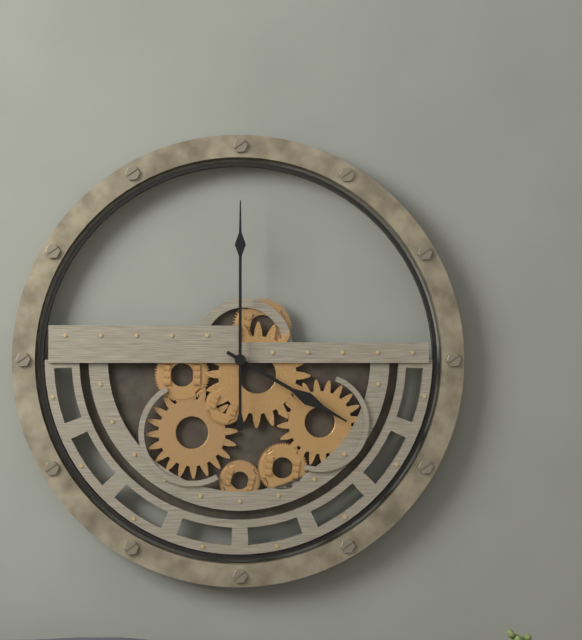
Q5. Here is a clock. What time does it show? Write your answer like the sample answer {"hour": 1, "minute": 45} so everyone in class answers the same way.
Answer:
{"hour": 4, "minute": 0}
